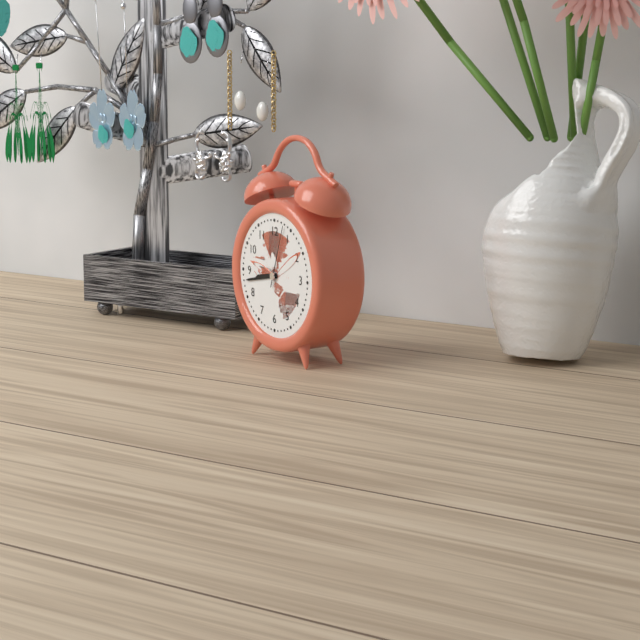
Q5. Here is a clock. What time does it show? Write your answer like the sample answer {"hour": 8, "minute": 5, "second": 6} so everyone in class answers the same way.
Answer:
{"hour": 8, "minute": 43, "second": 3}
